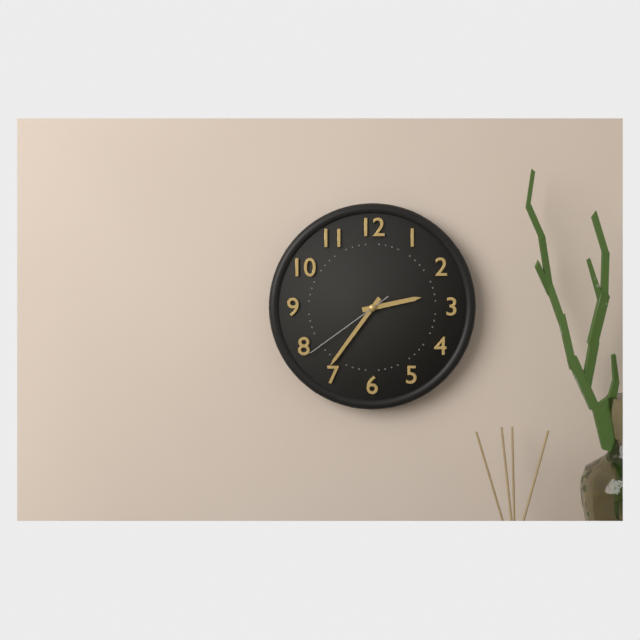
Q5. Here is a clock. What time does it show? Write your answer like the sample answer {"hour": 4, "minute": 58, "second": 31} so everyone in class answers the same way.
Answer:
{"hour": 2, "minute": 36, "second": 39}
